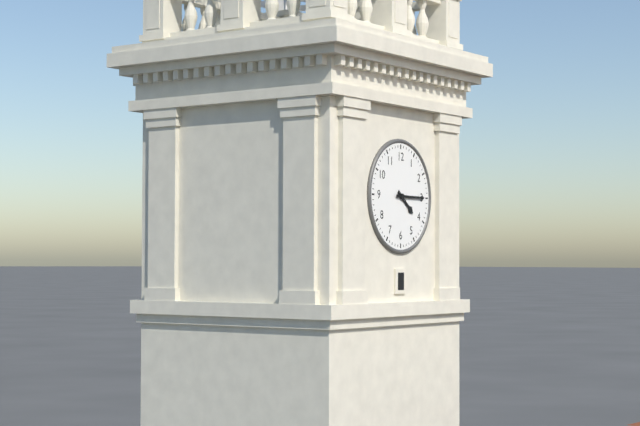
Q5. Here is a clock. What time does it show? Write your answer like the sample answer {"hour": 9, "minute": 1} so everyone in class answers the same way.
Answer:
{"hour": 4, "minute": 15}
